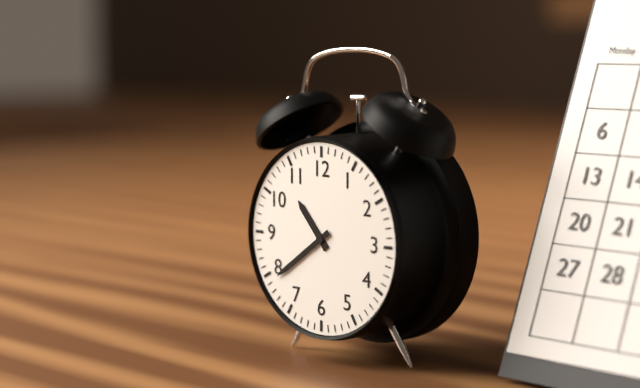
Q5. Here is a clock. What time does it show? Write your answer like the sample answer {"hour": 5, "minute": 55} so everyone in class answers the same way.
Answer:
{"hour": 10, "minute": 39}
